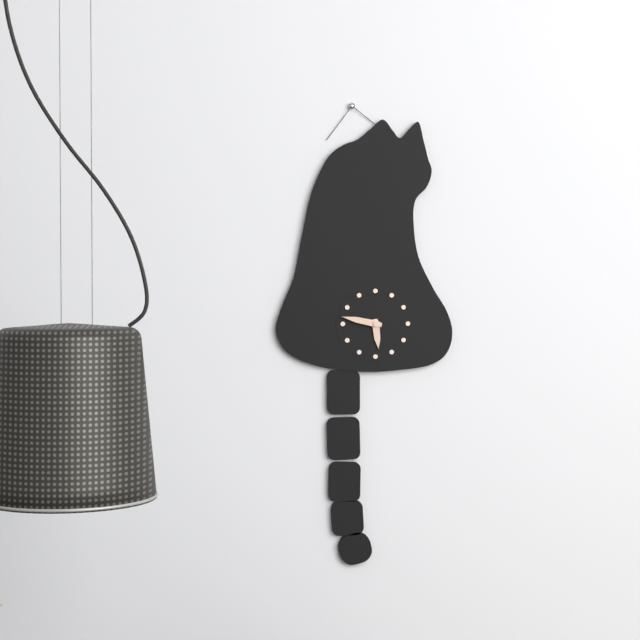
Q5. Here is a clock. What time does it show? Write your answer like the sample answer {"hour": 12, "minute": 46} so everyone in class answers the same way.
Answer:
{"hour": 5, "minute": 47}
